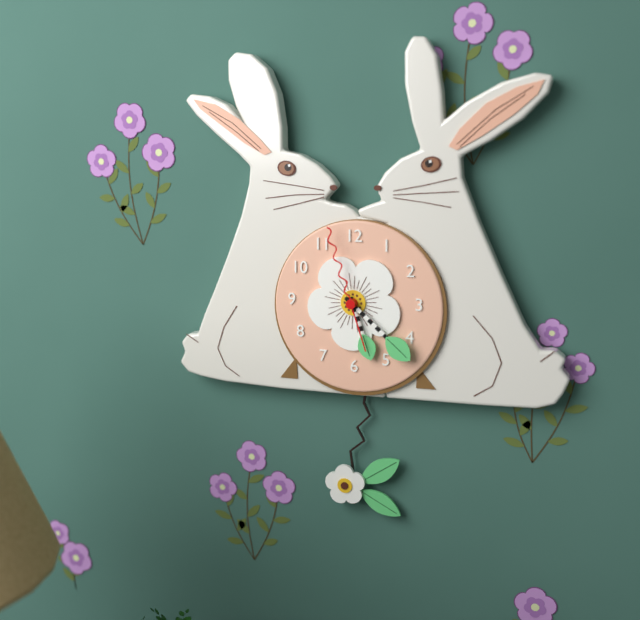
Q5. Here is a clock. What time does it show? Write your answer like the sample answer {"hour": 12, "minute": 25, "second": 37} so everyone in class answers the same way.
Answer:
{"hour": 5, "minute": 22, "second": 57}
